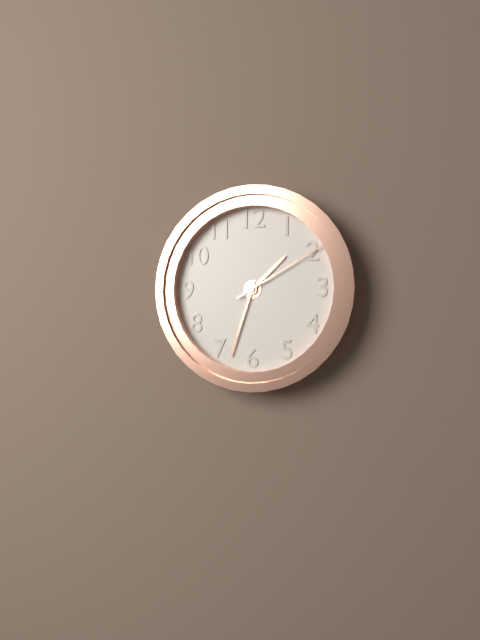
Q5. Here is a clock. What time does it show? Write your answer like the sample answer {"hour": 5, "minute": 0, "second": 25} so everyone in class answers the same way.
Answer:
{"hour": 1, "minute": 33, "second": 10}
